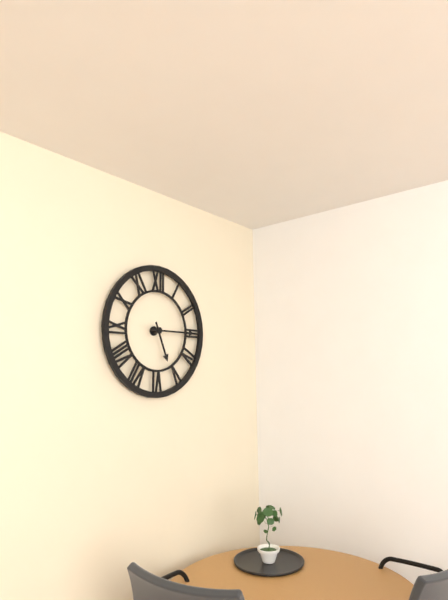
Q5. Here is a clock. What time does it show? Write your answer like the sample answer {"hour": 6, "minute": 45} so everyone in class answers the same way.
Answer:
{"hour": 5, "minute": 15}
